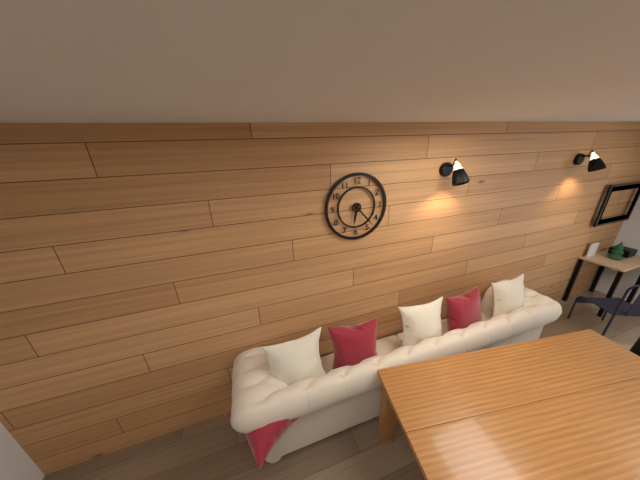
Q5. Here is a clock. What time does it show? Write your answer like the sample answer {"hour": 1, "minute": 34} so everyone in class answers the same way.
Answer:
{"hour": 6, "minute": 23}
